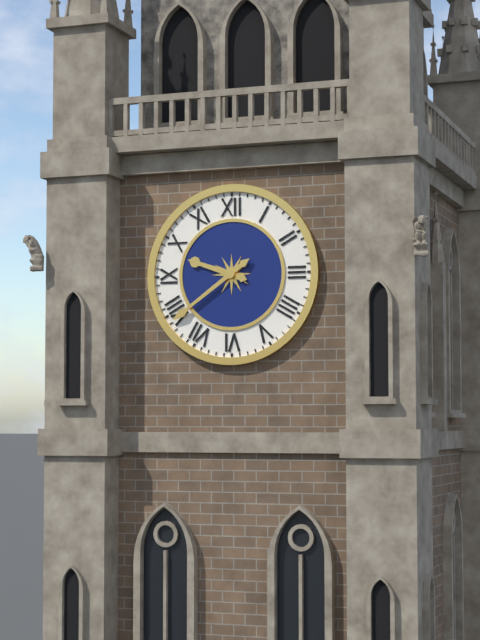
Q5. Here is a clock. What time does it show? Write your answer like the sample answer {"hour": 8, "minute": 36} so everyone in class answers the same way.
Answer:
{"hour": 9, "minute": 39}
